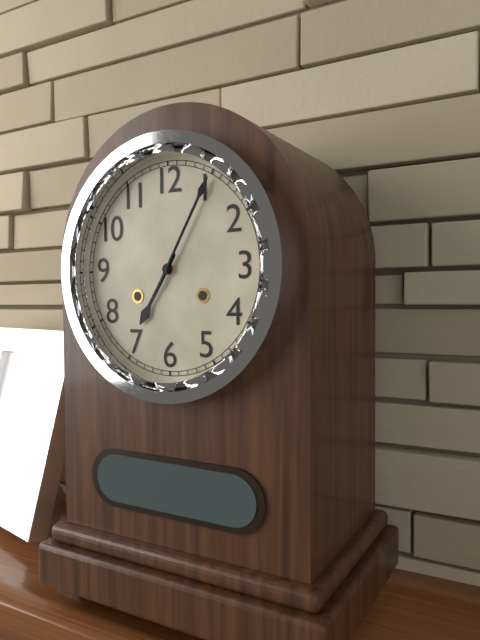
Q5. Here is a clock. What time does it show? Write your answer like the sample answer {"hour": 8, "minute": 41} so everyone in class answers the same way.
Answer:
{"hour": 7, "minute": 5}
